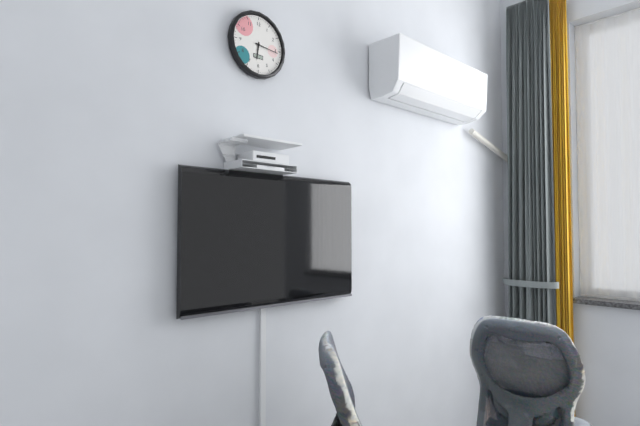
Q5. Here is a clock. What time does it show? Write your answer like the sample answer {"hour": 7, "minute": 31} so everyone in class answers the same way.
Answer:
{"hour": 6, "minute": 16}
